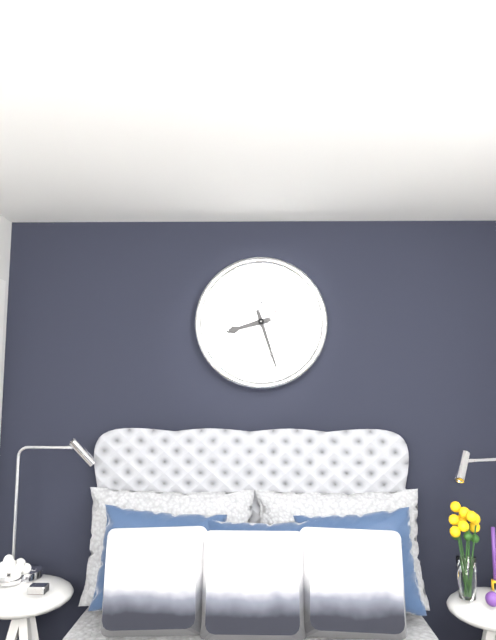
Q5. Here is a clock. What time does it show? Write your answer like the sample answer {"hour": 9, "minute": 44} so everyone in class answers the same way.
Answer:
{"hour": 8, "minute": 27}
